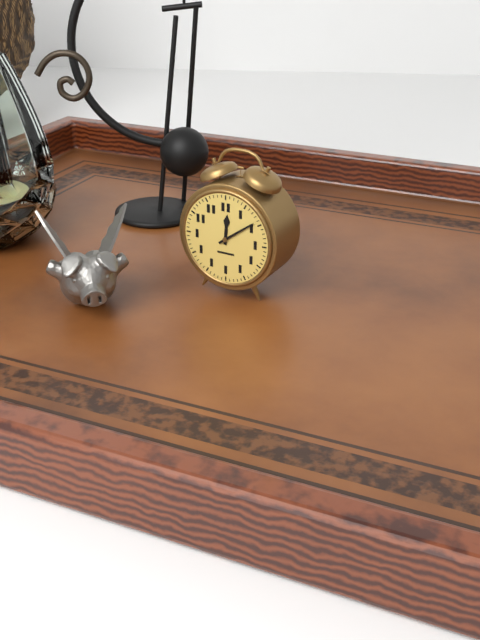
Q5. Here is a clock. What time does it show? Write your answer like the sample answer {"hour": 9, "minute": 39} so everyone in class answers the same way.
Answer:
{"hour": 12, "minute": 9}
